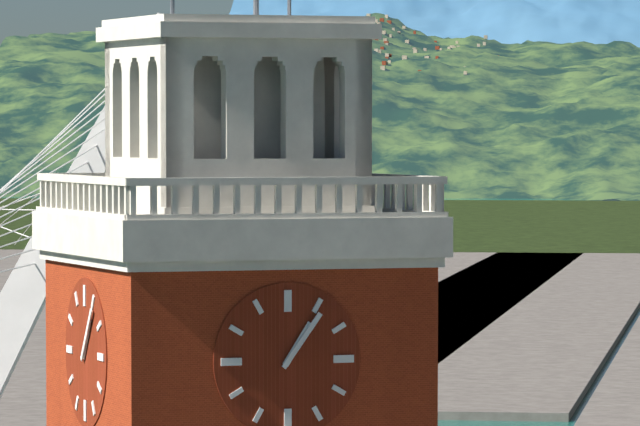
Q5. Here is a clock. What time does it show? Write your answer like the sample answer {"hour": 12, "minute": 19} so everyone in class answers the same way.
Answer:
{"hour": 1, "minute": 6}
